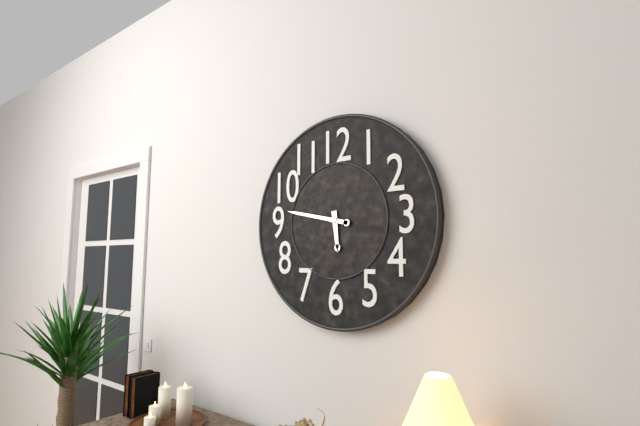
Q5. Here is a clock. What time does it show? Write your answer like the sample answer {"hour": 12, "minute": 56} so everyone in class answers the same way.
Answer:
{"hour": 5, "minute": 47}
